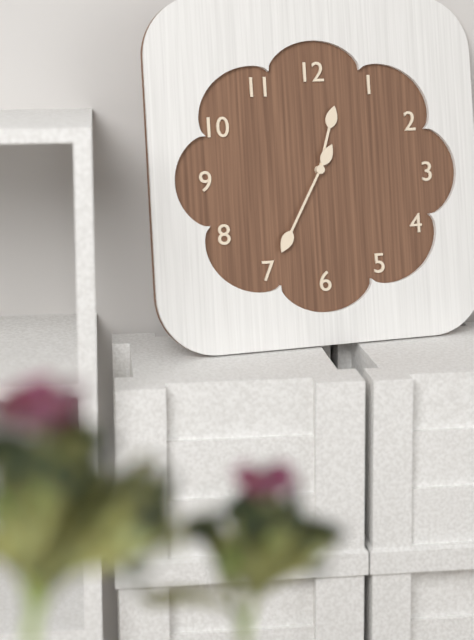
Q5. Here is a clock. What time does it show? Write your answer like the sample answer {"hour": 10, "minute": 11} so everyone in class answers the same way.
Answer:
{"hour": 12, "minute": 35}
